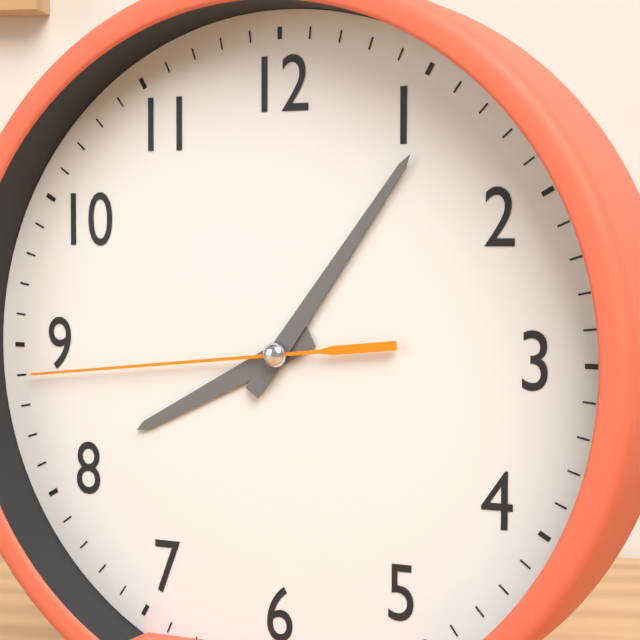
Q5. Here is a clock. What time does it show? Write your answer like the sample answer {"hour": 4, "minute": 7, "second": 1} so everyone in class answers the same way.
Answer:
{"hour": 8, "minute": 6, "second": 44}
